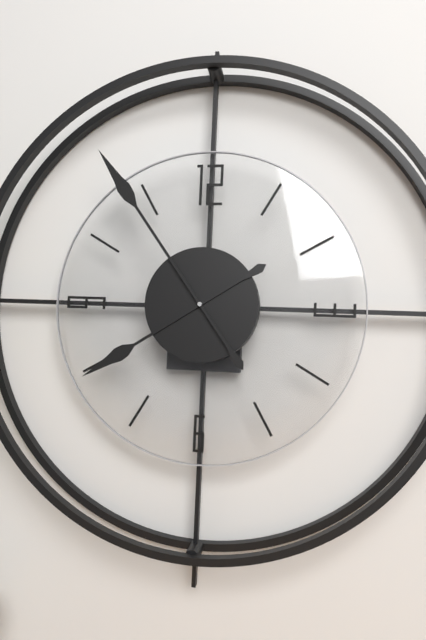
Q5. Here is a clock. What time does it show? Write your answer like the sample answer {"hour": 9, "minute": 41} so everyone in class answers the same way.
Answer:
{"hour": 7, "minute": 54}
